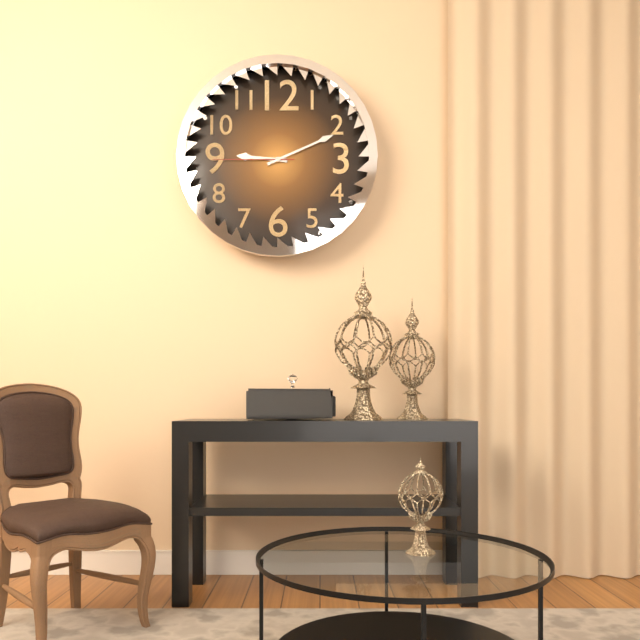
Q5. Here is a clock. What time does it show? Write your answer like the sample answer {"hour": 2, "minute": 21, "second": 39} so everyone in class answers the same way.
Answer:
{"hour": 9, "minute": 11, "second": 45}
